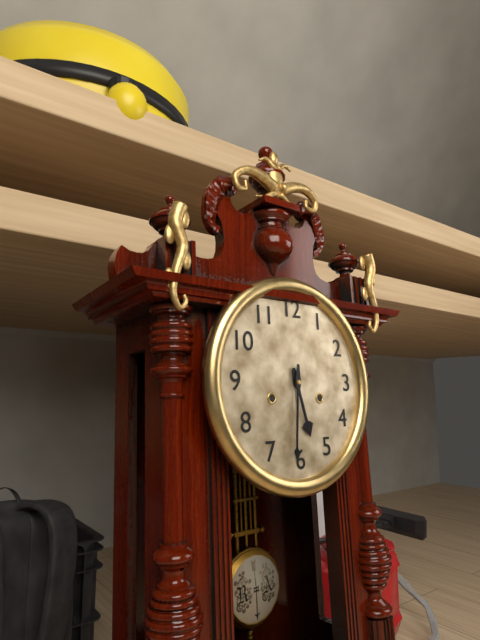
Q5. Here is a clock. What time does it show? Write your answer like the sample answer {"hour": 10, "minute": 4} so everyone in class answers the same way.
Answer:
{"hour": 5, "minute": 31}
